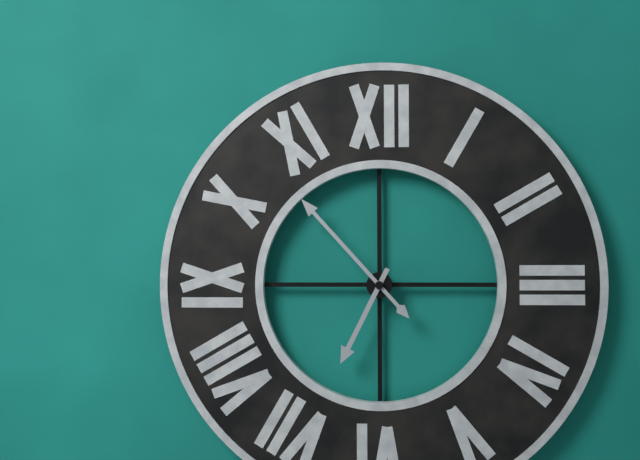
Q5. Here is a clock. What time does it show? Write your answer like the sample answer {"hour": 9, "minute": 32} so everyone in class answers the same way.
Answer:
{"hour": 6, "minute": 53}
